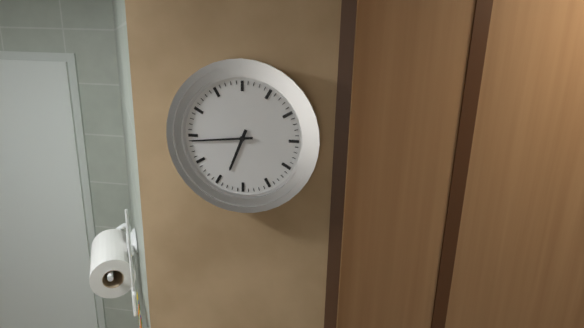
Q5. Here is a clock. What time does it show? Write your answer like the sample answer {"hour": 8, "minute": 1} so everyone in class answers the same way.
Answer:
{"hour": 6, "minute": 44}
